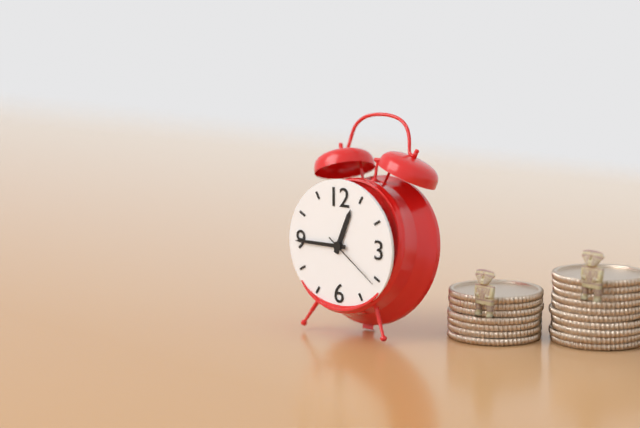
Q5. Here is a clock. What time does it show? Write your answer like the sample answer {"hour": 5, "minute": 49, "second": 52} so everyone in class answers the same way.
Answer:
{"hour": 12, "minute": 45, "second": 21}
